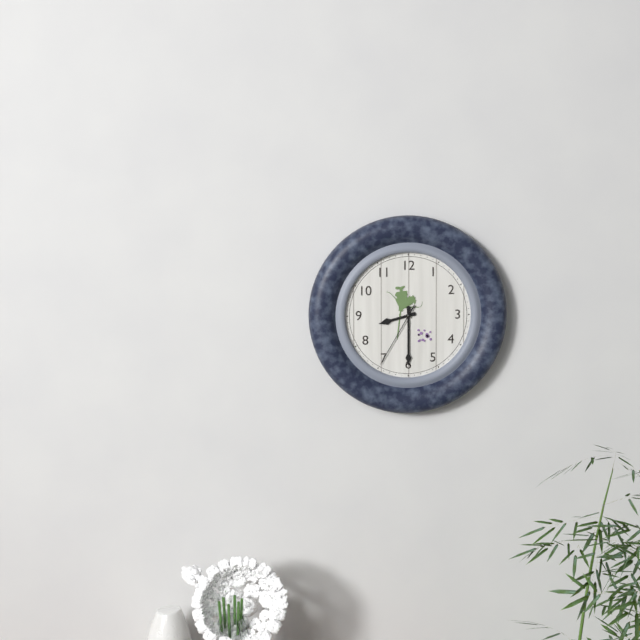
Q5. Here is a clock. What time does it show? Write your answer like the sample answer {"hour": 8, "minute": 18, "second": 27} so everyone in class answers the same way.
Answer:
{"hour": 8, "minute": 30, "second": 35}
